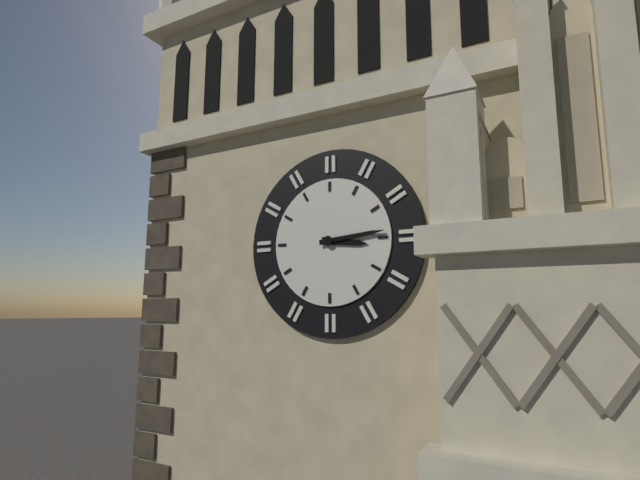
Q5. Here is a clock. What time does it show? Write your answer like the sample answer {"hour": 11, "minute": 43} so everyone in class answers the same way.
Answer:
{"hour": 3, "minute": 14}
